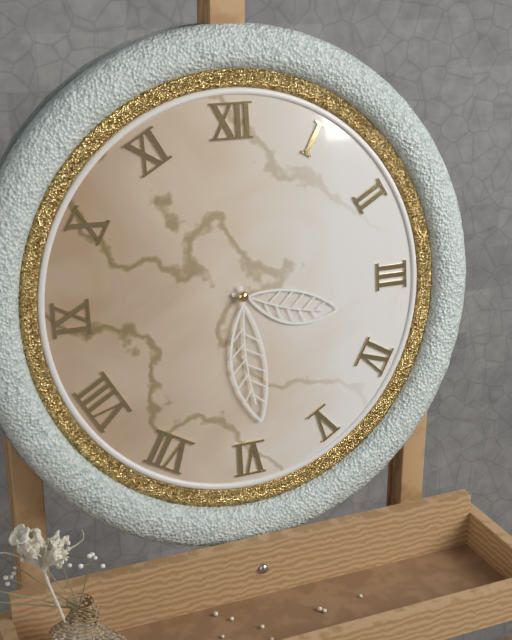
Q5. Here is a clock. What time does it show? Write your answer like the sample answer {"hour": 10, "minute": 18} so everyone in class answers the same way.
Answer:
{"hour": 3, "minute": 29}
